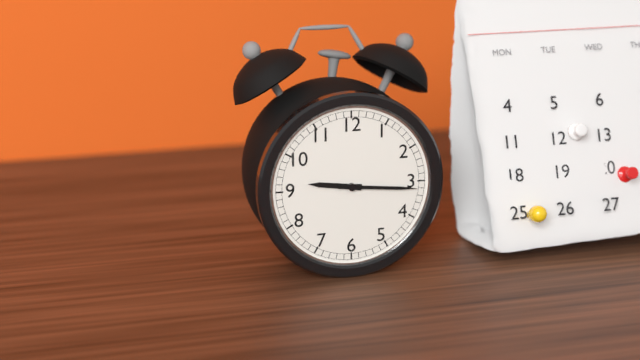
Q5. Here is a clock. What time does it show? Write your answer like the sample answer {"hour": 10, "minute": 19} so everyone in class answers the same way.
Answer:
{"hour": 9, "minute": 16}
